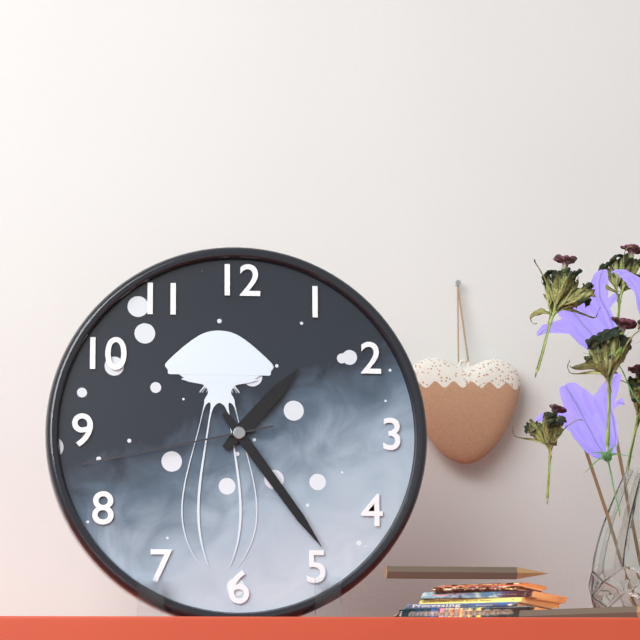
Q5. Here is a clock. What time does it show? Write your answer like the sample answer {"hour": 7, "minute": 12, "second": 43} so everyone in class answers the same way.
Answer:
{"hour": 1, "minute": 24, "second": 43}
